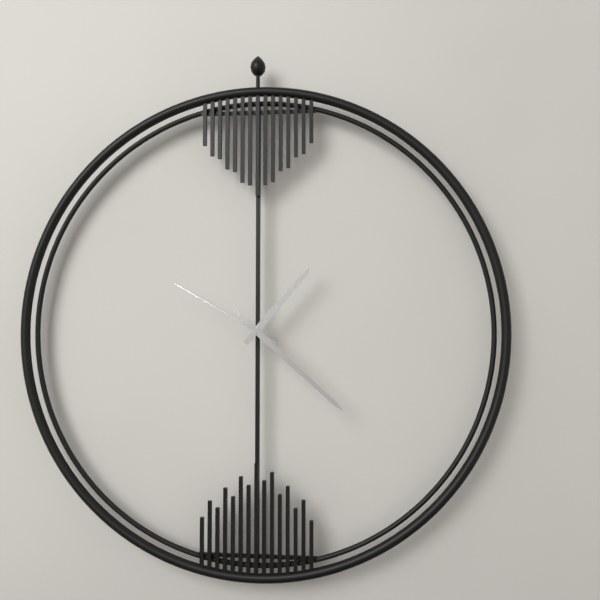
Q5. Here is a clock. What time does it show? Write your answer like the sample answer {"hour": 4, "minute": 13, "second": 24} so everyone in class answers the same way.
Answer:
{"hour": 1, "minute": 22, "second": 50}
